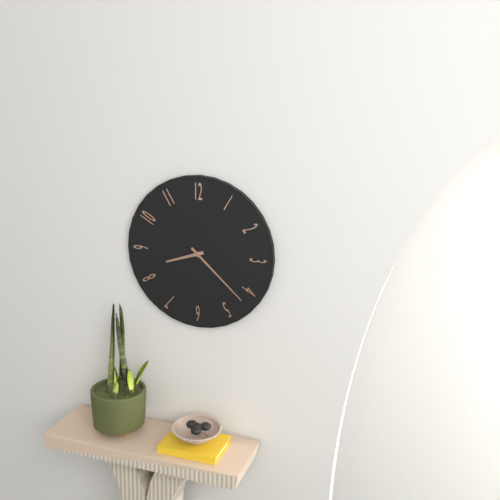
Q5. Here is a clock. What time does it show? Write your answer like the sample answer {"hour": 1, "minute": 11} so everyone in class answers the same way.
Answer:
{"hour": 8, "minute": 22}
